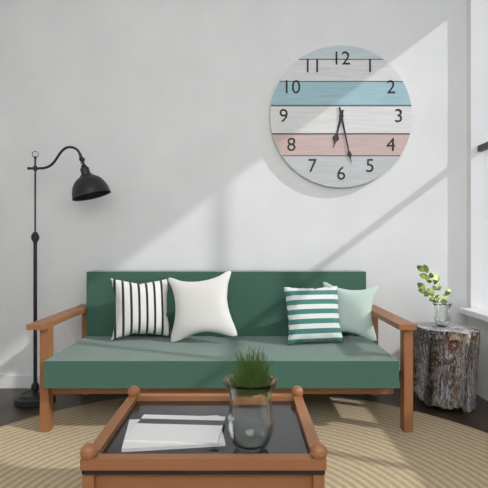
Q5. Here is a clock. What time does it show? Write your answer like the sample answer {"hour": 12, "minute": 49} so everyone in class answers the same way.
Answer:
{"hour": 6, "minute": 28}
